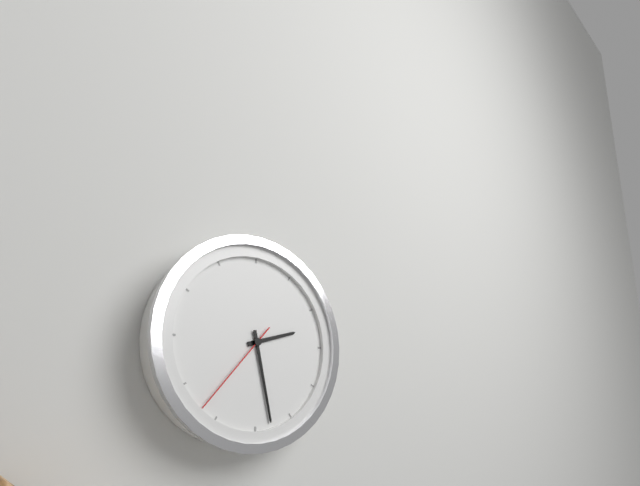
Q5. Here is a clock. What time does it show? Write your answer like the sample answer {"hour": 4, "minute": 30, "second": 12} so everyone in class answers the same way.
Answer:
{"hour": 2, "minute": 28, "second": 37}
